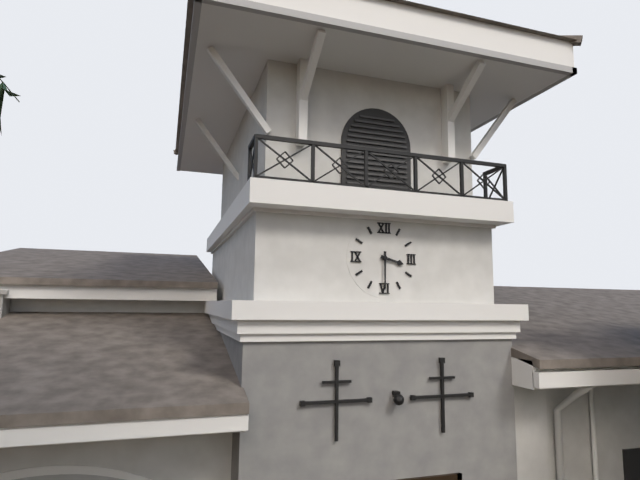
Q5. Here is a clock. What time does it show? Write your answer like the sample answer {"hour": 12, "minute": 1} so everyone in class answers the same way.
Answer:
{"hour": 3, "minute": 30}
